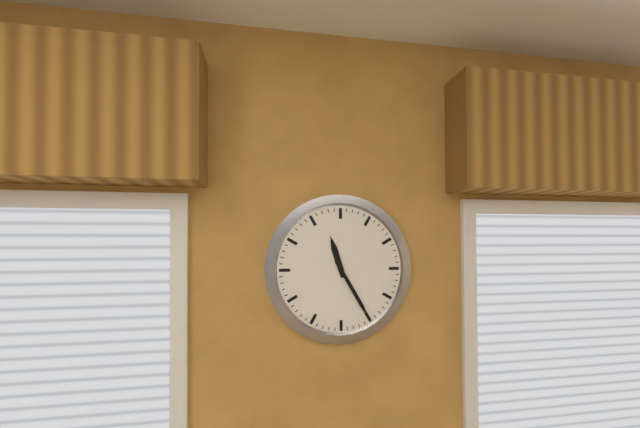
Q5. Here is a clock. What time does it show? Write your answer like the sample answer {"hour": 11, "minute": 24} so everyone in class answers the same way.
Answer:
{"hour": 11, "minute": 25}
